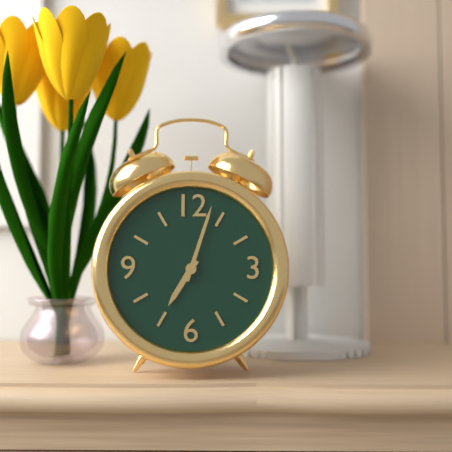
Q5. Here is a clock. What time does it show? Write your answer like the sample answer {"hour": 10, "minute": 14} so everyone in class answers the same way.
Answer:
{"hour": 7, "minute": 3}
